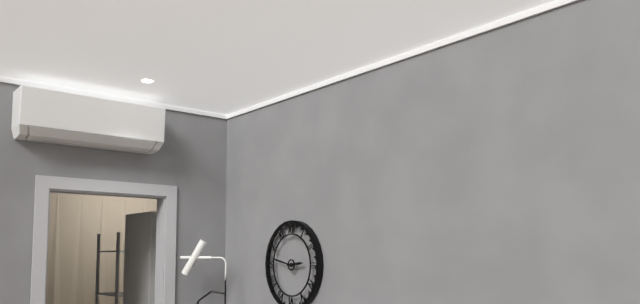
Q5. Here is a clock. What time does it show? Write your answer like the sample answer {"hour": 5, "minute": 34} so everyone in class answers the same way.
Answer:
{"hour": 2, "minute": 47}
